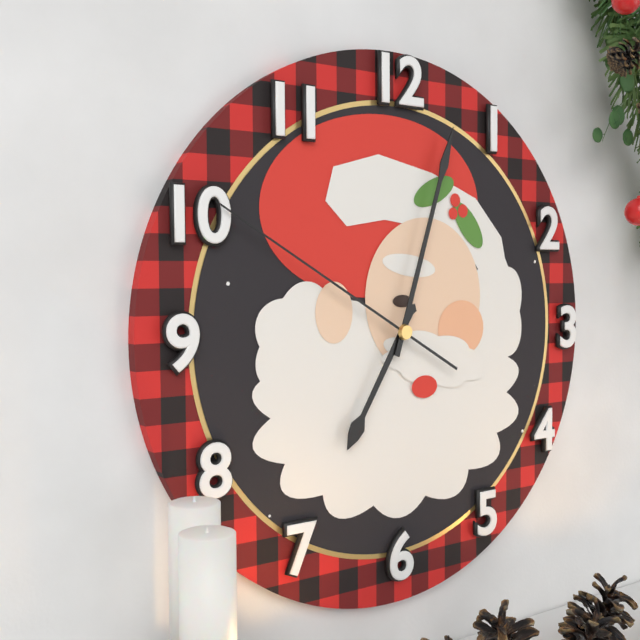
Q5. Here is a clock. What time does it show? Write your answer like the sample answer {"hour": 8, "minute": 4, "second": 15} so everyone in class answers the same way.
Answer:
{"hour": 7, "minute": 3, "second": 50}
